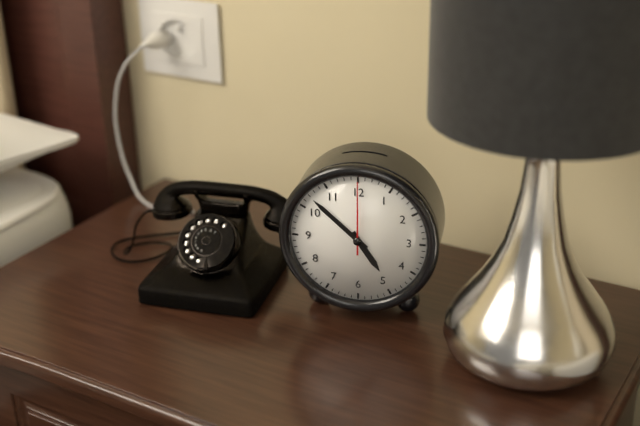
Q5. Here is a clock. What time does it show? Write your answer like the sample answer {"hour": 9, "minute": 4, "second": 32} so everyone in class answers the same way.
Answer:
{"hour": 4, "minute": 52, "second": 0}
